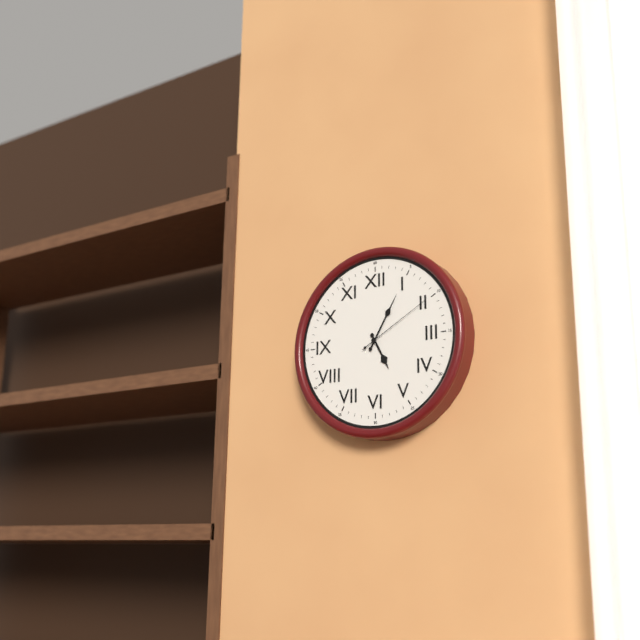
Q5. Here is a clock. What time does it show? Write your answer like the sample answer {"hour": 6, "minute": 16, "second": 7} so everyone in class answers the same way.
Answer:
{"hour": 5, "minute": 5, "second": 10}
